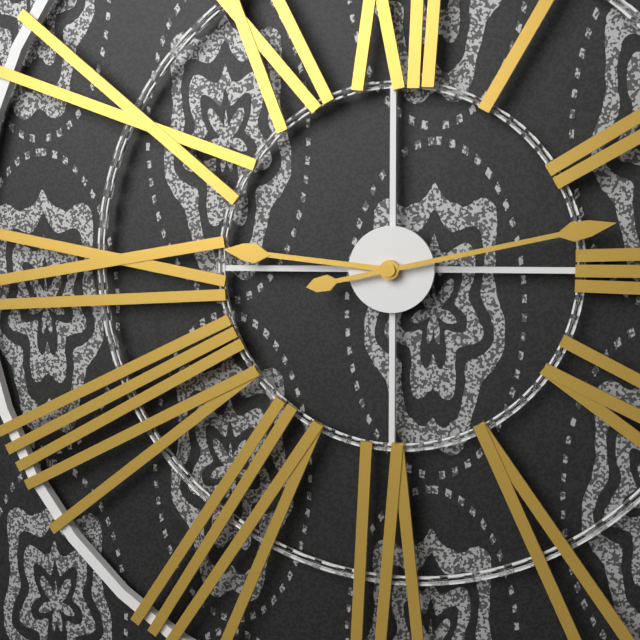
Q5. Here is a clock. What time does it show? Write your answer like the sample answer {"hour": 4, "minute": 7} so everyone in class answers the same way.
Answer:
{"hour": 9, "minute": 13}
